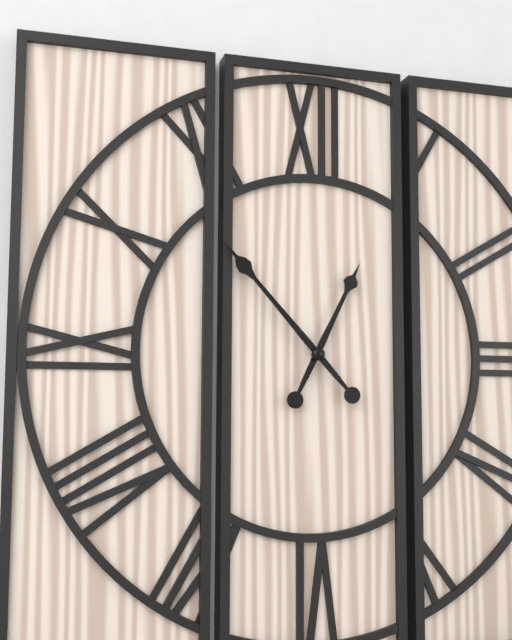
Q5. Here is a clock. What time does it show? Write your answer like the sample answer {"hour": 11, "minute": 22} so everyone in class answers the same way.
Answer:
{"hour": 12, "minute": 53}
